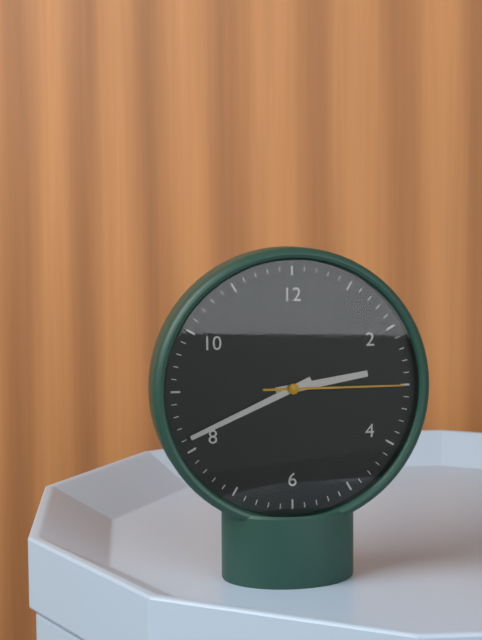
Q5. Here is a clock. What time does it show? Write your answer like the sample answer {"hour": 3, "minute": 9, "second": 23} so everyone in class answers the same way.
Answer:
{"hour": 2, "minute": 41, "second": 15}
